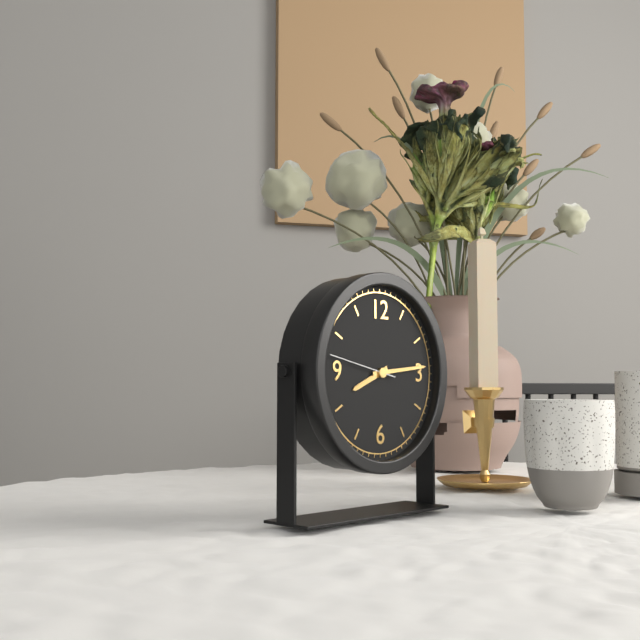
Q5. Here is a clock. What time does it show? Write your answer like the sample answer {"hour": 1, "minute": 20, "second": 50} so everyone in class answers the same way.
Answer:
{"hour": 8, "minute": 14, "second": 47}
